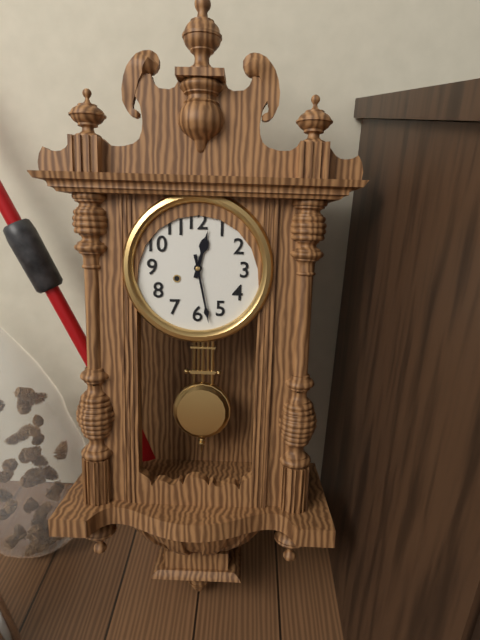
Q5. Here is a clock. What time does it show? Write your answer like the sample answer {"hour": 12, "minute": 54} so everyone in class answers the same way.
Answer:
{"hour": 12, "minute": 28}
